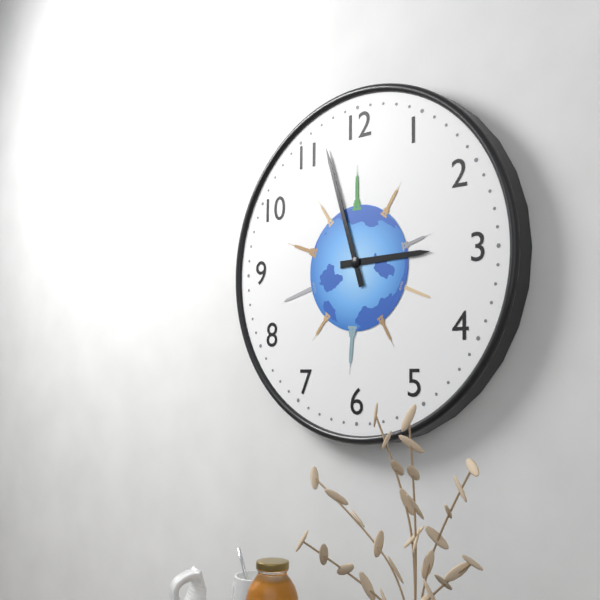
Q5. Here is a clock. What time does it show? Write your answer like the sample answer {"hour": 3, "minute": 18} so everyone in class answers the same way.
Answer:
{"hour": 2, "minute": 57}
